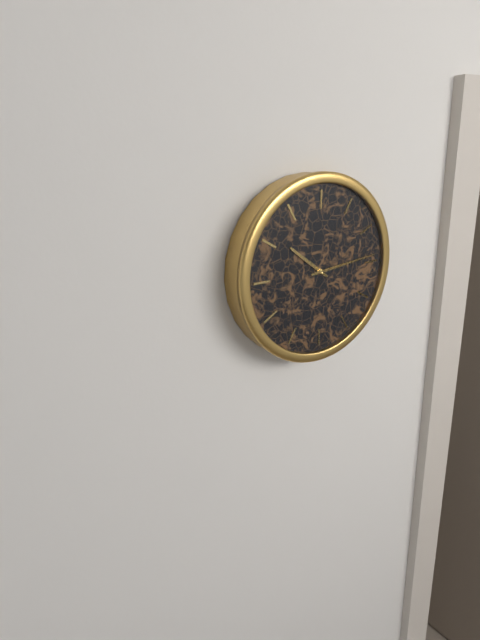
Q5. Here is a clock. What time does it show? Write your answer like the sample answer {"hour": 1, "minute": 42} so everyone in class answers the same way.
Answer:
{"hour": 10, "minute": 14}
